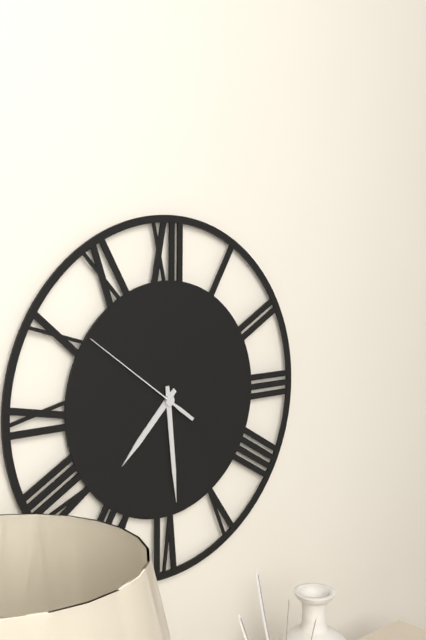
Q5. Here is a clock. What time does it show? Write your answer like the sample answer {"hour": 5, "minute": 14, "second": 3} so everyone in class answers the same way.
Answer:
{"hour": 7, "minute": 29, "second": 51}
